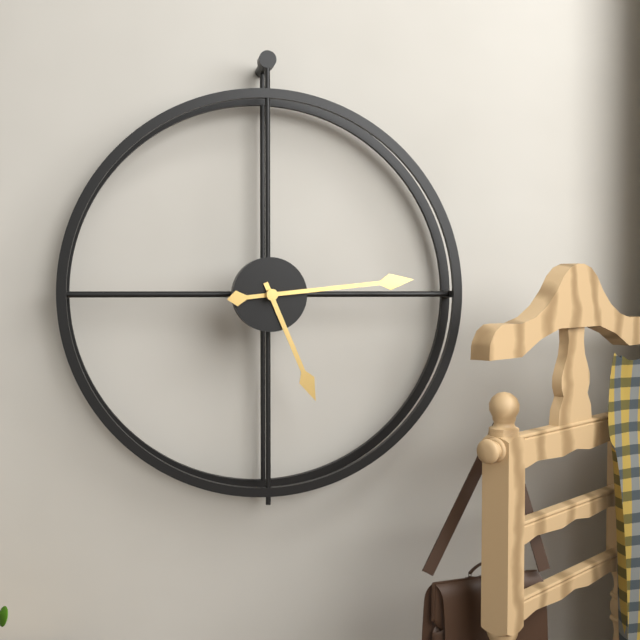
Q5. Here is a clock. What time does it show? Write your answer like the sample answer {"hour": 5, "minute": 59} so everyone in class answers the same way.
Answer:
{"hour": 5, "minute": 14}
